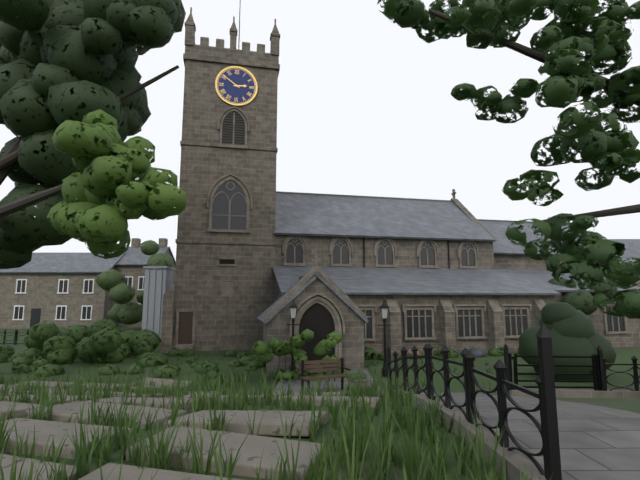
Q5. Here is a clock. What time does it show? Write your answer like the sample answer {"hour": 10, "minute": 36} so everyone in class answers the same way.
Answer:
{"hour": 2, "minute": 51}
